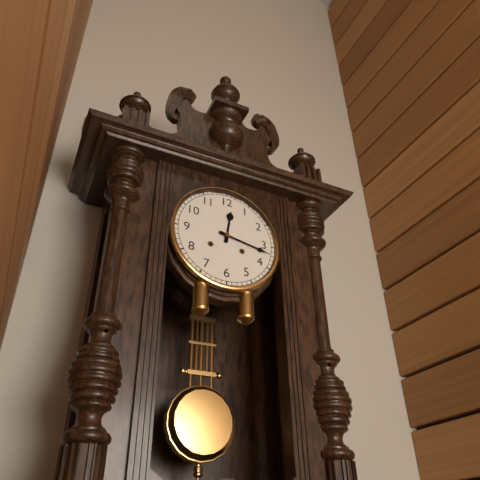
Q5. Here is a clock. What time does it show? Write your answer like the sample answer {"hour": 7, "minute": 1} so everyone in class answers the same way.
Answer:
{"hour": 12, "minute": 17}
